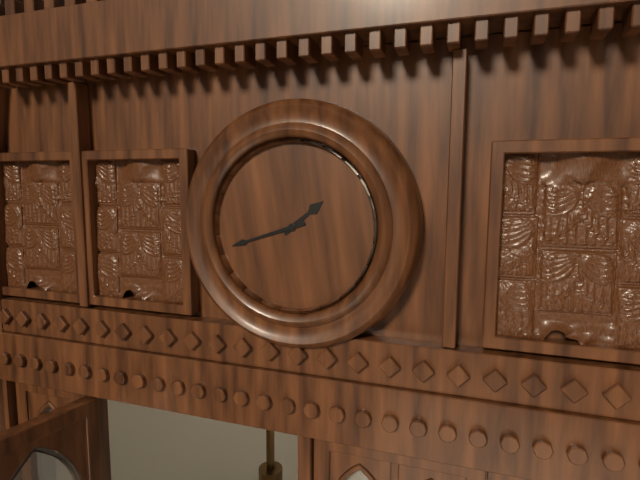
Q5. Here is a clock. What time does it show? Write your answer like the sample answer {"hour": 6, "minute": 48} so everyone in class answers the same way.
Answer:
{"hour": 1, "minute": 42}
